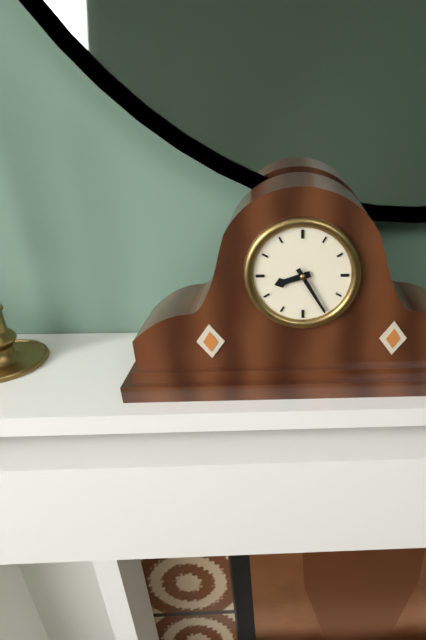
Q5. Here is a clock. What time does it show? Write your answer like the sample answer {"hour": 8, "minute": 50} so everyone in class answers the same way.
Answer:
{"hour": 8, "minute": 25}
